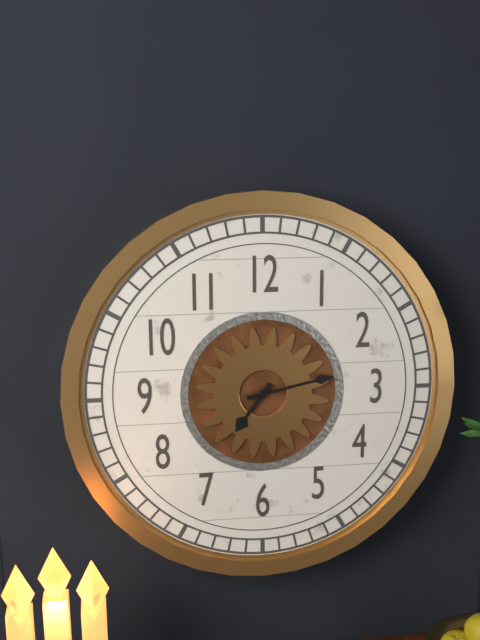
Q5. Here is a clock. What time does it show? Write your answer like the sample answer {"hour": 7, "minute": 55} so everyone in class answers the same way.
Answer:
{"hour": 7, "minute": 13}
